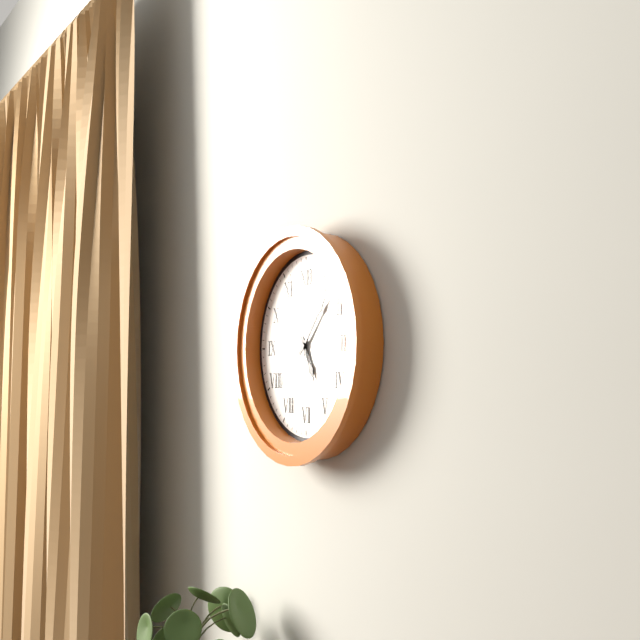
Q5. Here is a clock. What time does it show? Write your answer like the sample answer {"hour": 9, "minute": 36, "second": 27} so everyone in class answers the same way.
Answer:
{"hour": 5, "minute": 7, "second": 57}
